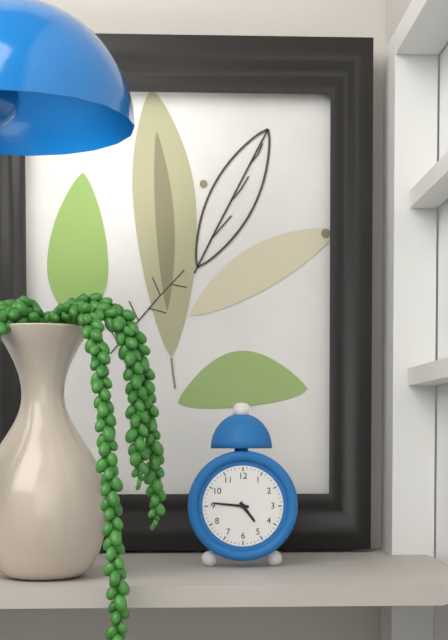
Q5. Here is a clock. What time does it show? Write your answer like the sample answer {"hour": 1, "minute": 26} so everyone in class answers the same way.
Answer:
{"hour": 4, "minute": 46}
